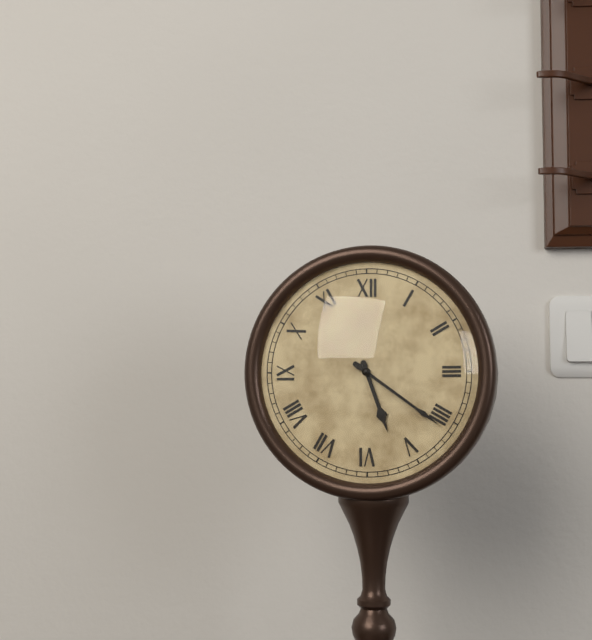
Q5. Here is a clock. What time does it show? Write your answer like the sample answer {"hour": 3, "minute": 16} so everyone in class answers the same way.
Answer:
{"hour": 5, "minute": 21}
